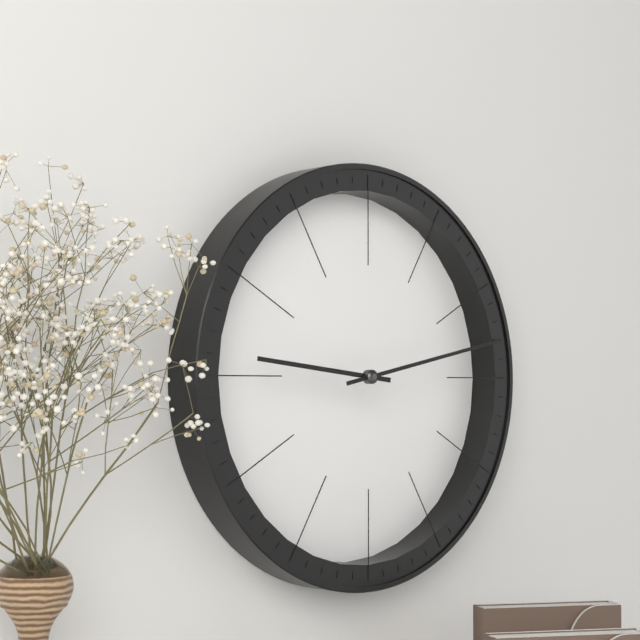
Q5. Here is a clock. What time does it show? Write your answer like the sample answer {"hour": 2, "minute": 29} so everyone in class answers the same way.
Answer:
{"hour": 9, "minute": 13}
